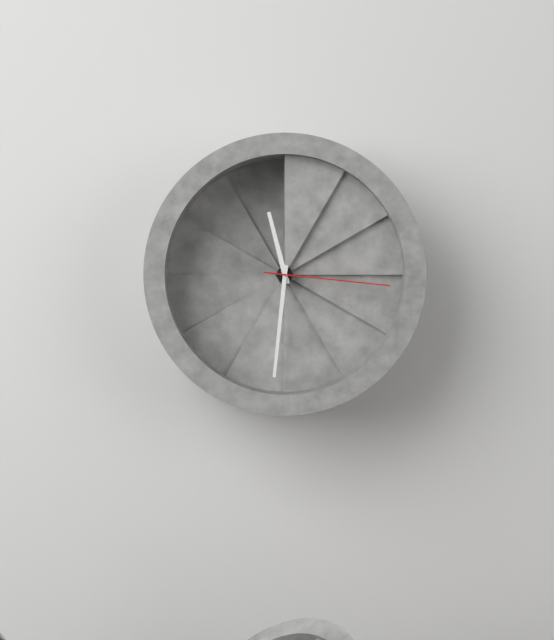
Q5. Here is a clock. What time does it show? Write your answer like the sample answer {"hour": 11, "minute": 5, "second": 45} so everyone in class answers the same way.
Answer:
{"hour": 11, "minute": 31, "second": 16}
